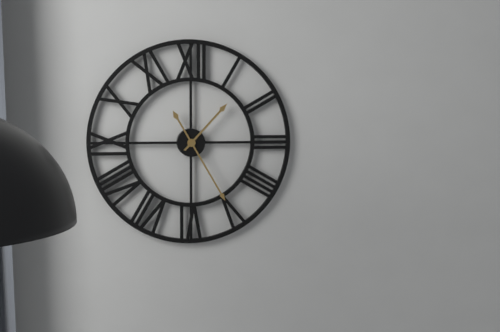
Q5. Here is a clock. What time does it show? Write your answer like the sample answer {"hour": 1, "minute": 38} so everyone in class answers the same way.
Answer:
{"hour": 1, "minute": 25}
